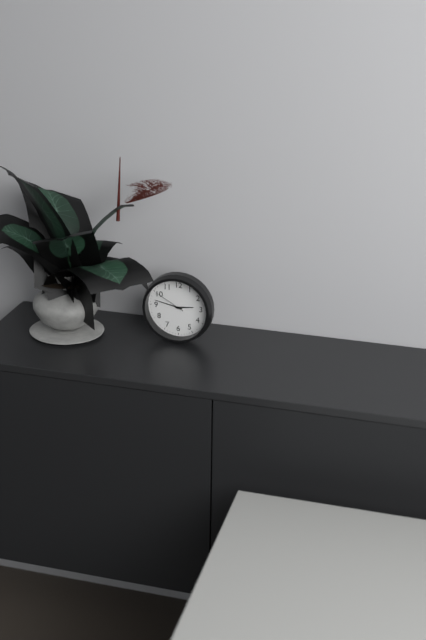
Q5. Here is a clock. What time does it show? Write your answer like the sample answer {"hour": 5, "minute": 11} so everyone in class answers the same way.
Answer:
{"hour": 2, "minute": 47}
